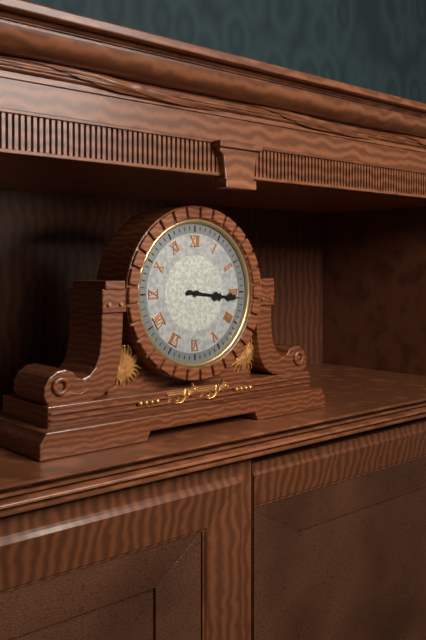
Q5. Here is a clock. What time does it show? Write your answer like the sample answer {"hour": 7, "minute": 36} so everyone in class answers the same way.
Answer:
{"hour": 3, "minute": 16}
